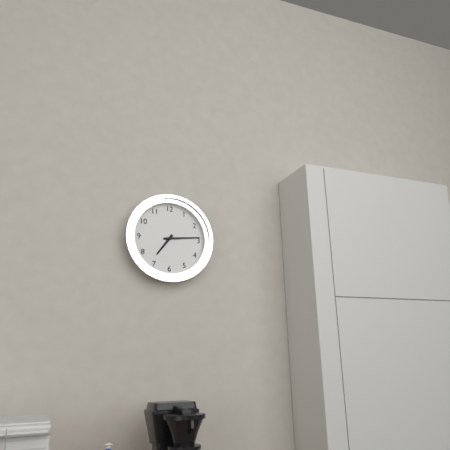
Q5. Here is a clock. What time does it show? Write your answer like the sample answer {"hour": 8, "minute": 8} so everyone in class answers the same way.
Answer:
{"hour": 7, "minute": 14}
